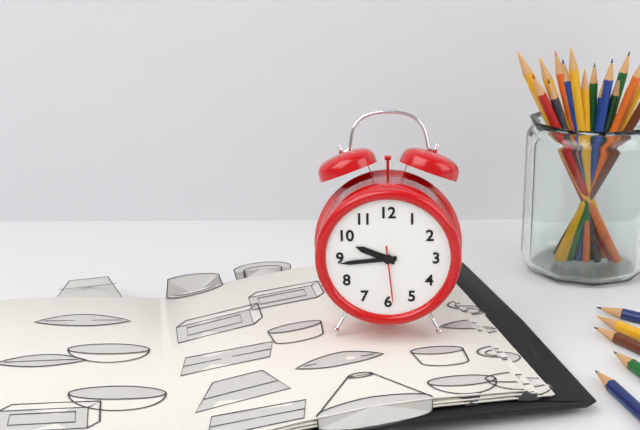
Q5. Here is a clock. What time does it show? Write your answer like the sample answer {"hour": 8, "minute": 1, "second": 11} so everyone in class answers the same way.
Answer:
{"hour": 9, "minute": 44, "second": 29}
